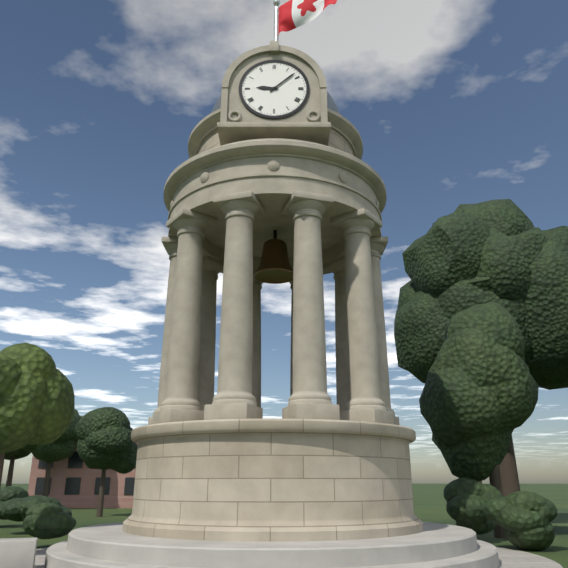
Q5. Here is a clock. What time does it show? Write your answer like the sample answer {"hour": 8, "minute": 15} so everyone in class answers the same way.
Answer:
{"hour": 9, "minute": 8}
